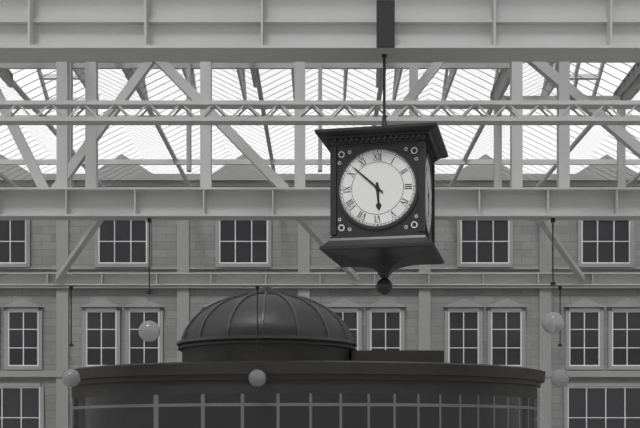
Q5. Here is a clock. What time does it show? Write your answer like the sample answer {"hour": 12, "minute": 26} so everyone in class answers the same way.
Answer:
{"hour": 5, "minute": 52}
